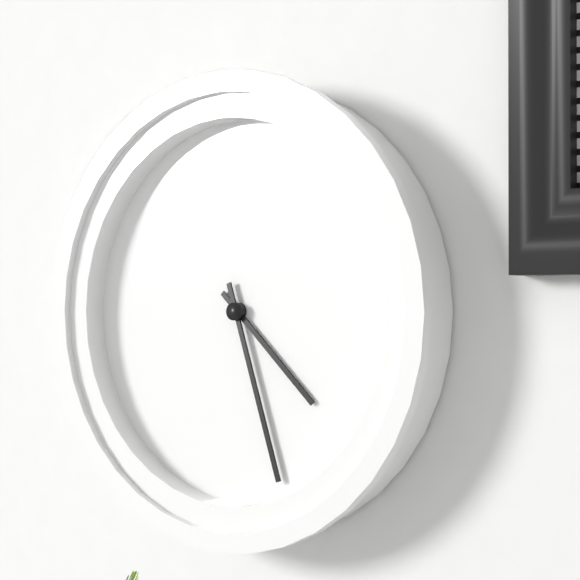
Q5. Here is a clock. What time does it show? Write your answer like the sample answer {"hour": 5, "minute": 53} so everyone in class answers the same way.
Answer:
{"hour": 4, "minute": 27}
